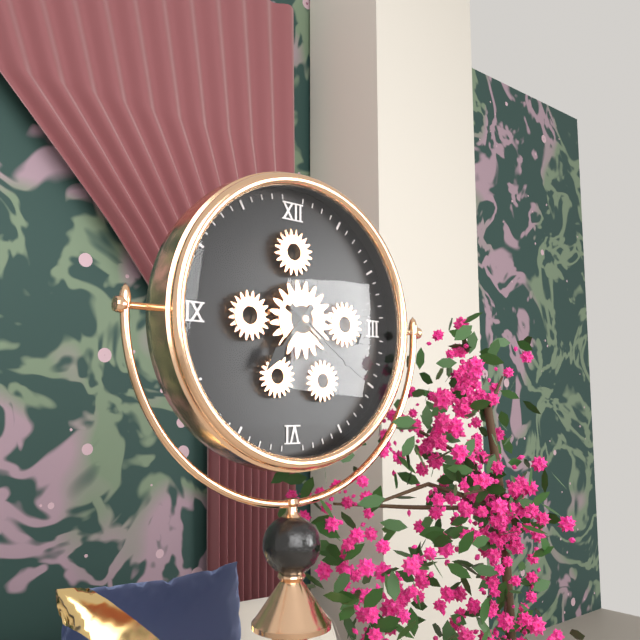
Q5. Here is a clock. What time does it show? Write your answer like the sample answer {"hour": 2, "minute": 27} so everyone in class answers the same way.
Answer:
{"hour": 7, "minute": 21}
